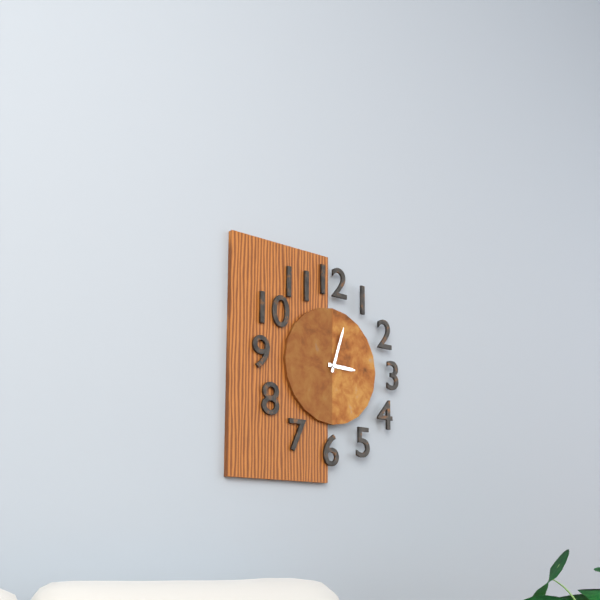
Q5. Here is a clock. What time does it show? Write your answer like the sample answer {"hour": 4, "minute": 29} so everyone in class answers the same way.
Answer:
{"hour": 3, "minute": 3}
